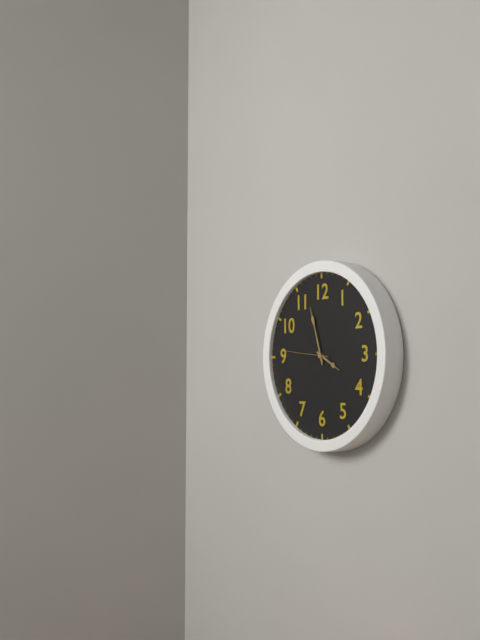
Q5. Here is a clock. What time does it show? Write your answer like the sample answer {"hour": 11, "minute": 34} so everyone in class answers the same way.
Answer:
{"hour": 3, "minute": 57}
